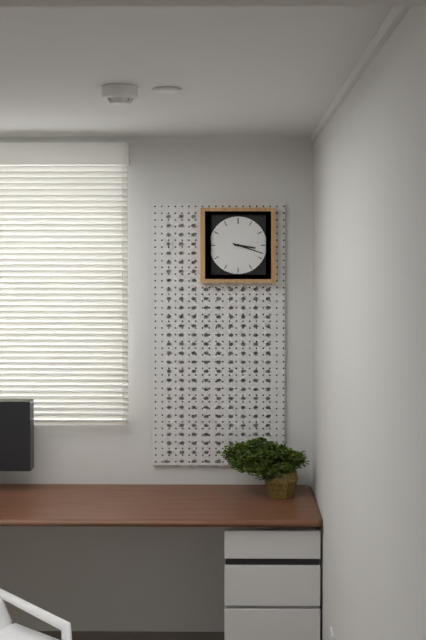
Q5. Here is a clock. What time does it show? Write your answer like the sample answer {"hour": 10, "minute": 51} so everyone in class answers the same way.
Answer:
{"hour": 3, "minute": 18}
